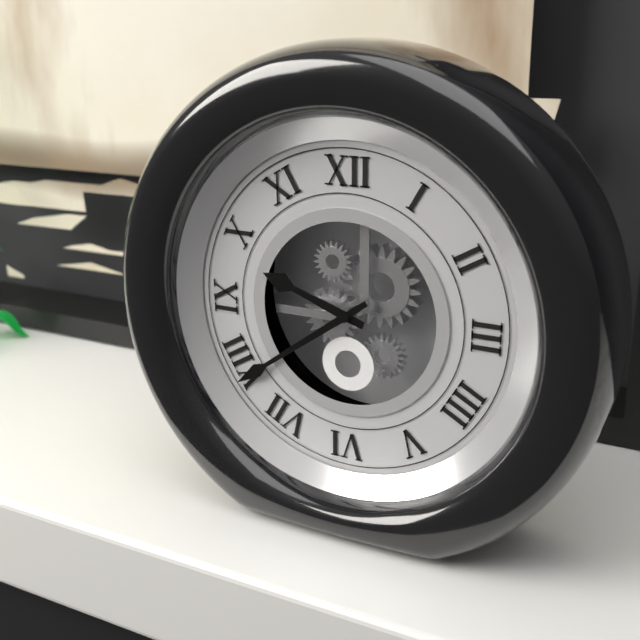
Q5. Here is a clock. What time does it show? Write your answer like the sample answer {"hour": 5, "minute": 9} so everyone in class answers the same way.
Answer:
{"hour": 9, "minute": 39}
